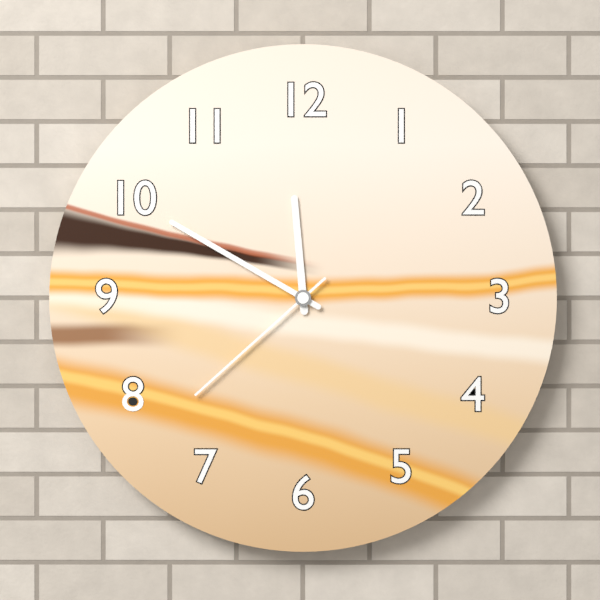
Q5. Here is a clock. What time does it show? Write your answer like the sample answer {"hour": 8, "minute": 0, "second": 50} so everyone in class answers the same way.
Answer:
{"hour": 11, "minute": 50, "second": 38}
